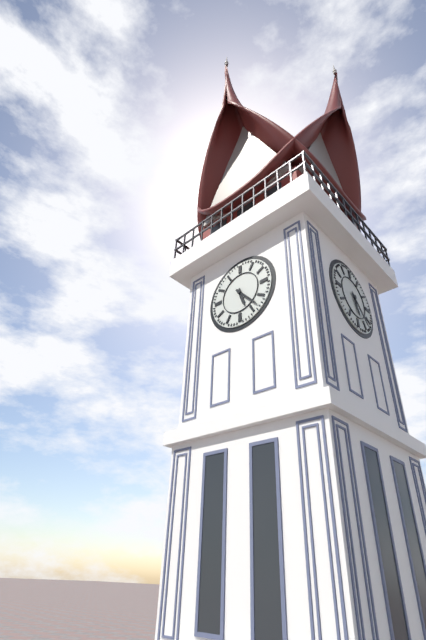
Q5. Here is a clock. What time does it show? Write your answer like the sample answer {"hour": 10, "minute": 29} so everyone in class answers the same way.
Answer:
{"hour": 5, "minute": 23}
